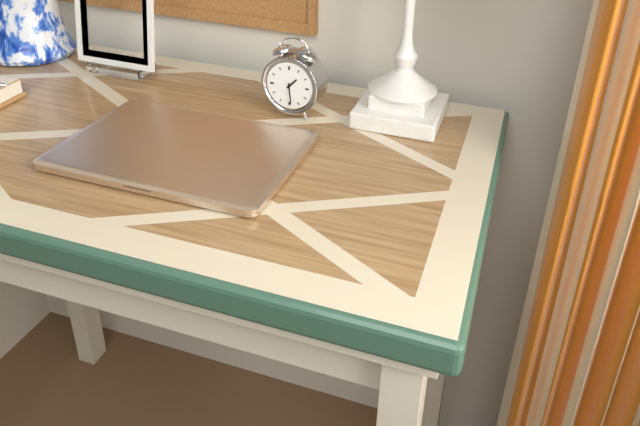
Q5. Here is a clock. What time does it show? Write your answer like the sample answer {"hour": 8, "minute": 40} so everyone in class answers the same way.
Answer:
{"hour": 1, "minute": 29}
